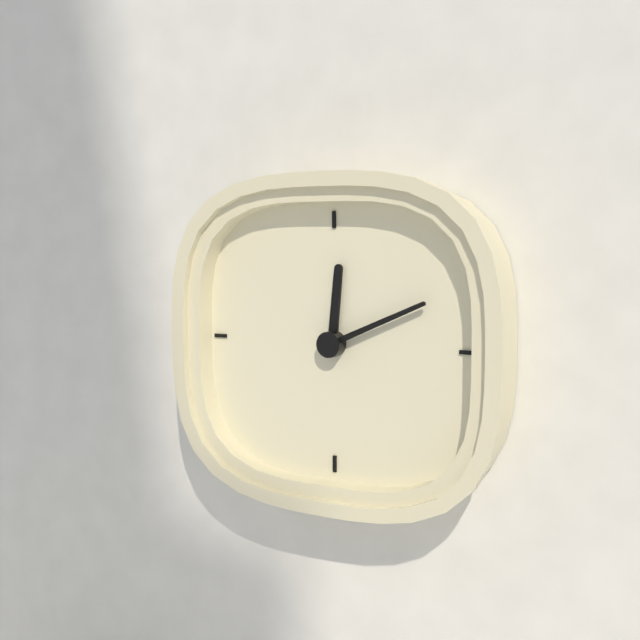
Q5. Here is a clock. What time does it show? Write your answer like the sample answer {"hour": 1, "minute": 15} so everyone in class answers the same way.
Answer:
{"hour": 12, "minute": 11}
